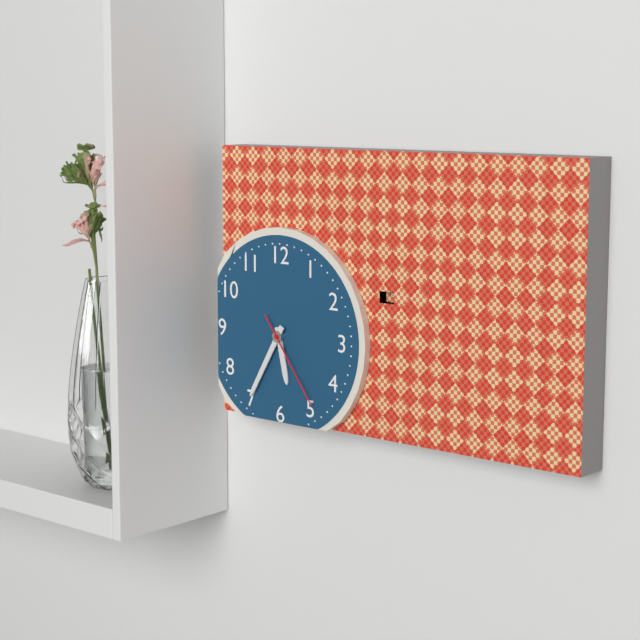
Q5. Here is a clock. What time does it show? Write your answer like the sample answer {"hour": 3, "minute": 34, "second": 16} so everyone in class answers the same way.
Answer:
{"hour": 5, "minute": 35, "second": 24}
